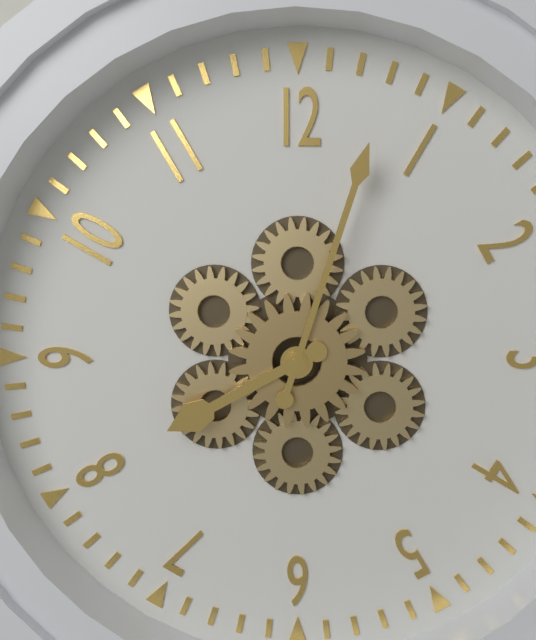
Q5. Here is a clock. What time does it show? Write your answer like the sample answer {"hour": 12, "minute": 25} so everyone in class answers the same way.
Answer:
{"hour": 8, "minute": 3}
